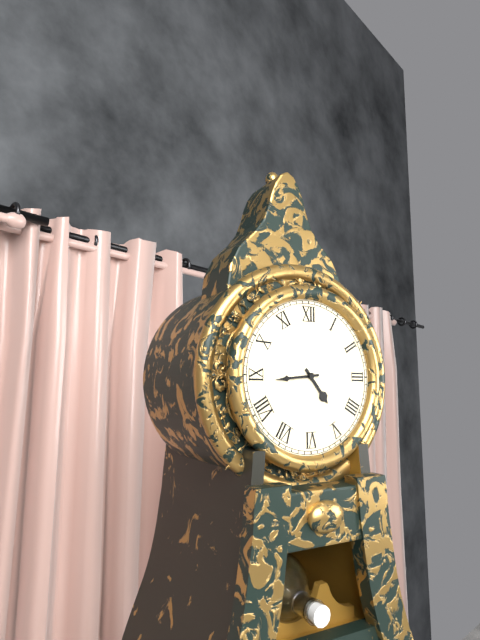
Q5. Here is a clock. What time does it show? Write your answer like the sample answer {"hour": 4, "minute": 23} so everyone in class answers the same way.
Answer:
{"hour": 4, "minute": 44}
